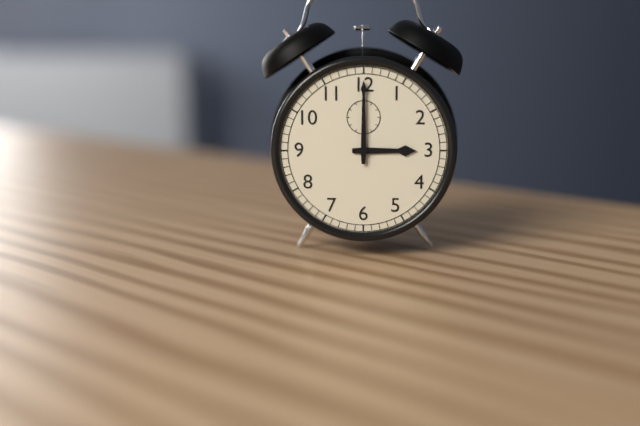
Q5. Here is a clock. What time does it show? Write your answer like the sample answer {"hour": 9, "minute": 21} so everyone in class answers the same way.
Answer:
{"hour": 3, "minute": 0}
